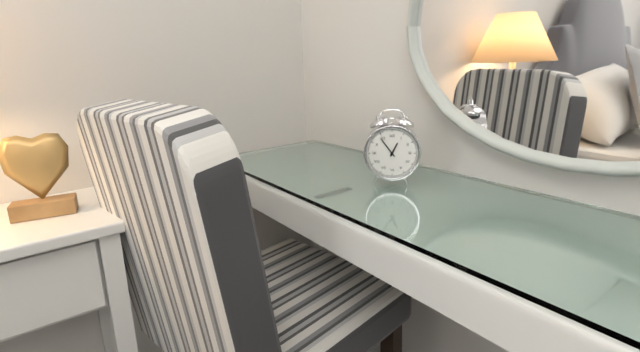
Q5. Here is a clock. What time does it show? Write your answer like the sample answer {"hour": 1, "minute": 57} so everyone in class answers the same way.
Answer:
{"hour": 12, "minute": 54}
